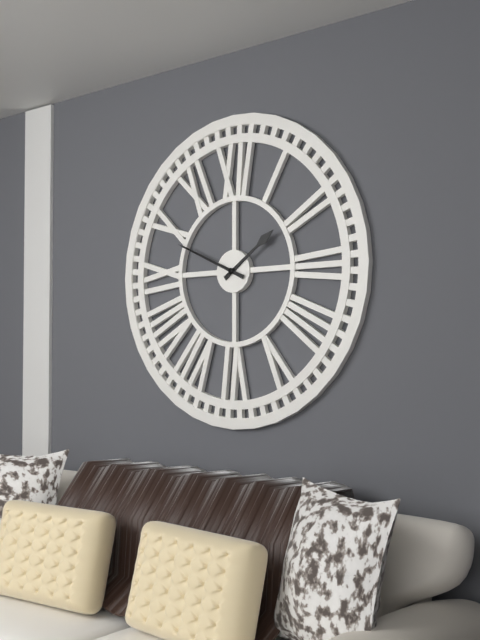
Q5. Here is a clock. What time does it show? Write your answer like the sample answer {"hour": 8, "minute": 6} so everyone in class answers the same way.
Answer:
{"hour": 1, "minute": 49}
